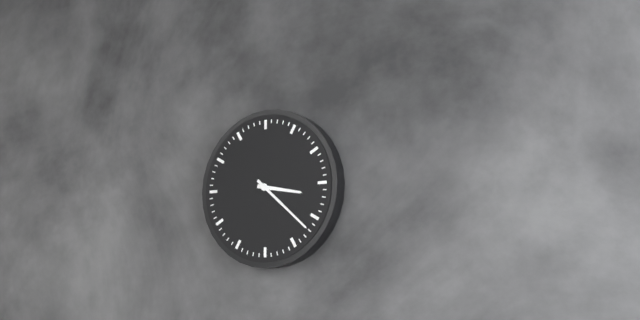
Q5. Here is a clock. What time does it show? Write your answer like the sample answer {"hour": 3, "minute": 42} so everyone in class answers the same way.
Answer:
{"hour": 3, "minute": 22}
